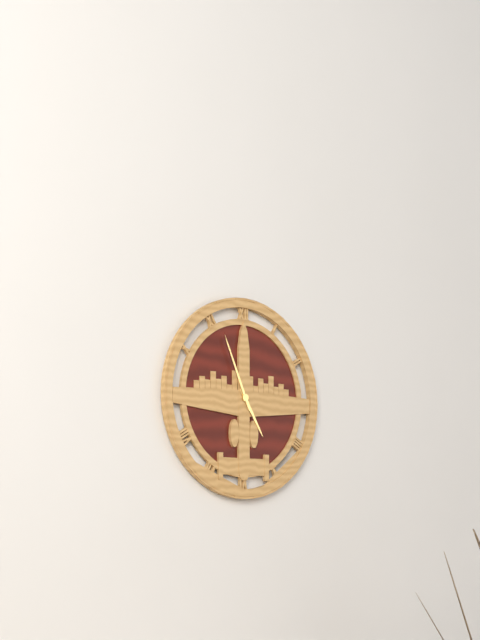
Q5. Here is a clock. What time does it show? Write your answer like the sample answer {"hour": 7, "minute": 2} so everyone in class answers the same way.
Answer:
{"hour": 4, "minute": 56}
